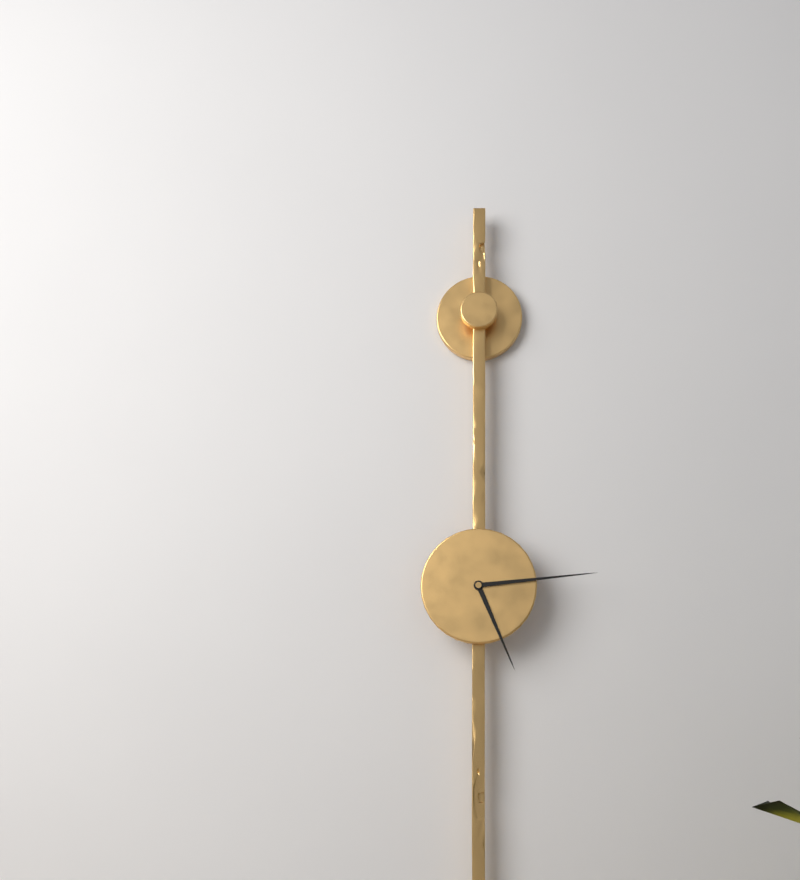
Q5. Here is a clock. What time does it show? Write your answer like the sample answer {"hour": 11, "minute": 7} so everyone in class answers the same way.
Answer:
{"hour": 5, "minute": 14}
